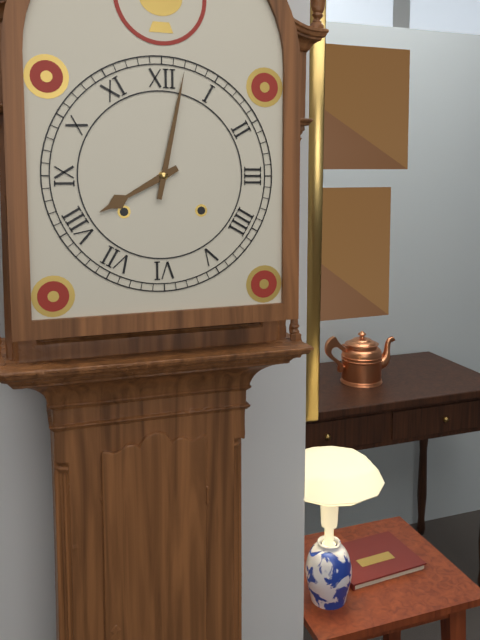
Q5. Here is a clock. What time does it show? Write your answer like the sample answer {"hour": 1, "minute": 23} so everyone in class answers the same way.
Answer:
{"hour": 8, "minute": 2}
